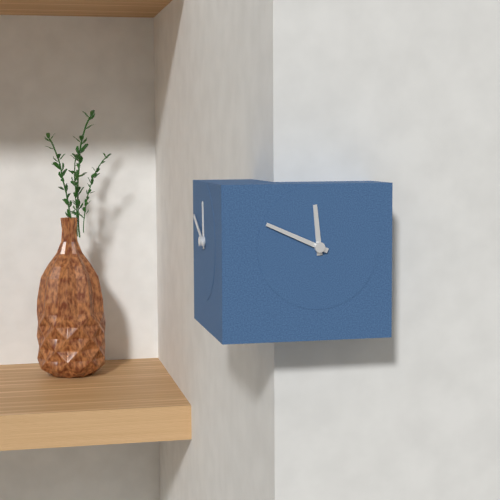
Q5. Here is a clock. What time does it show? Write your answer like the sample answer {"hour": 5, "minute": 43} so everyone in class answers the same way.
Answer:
{"hour": 11, "minute": 49}
